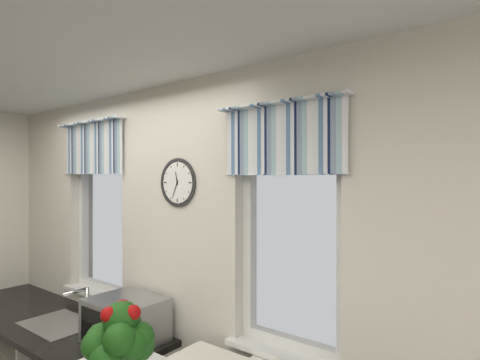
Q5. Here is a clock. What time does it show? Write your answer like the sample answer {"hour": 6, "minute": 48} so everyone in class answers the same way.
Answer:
{"hour": 11, "minute": 34}
